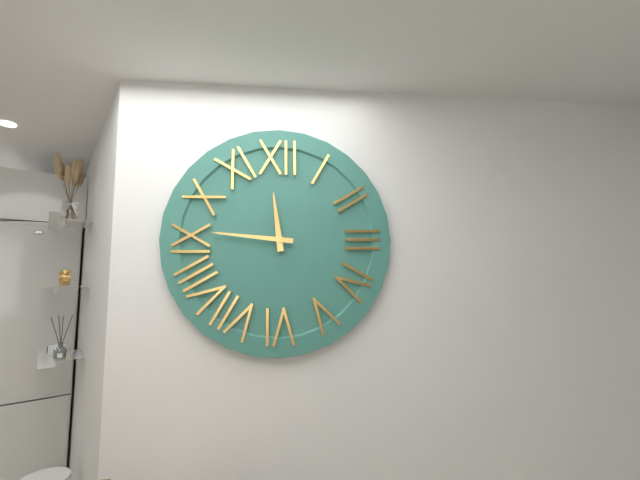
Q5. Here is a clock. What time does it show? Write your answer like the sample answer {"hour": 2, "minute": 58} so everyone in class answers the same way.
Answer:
{"hour": 11, "minute": 46}
